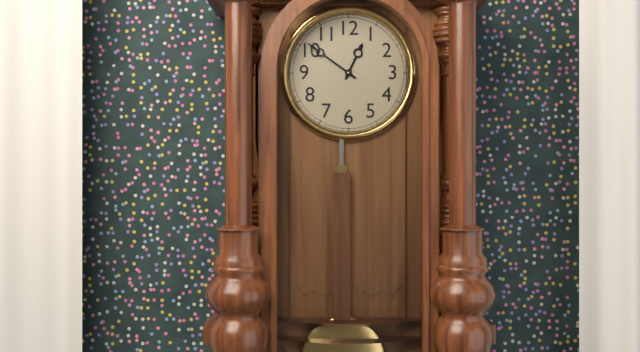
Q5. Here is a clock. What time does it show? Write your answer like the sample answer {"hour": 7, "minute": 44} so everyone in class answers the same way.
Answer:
{"hour": 12, "minute": 51}
